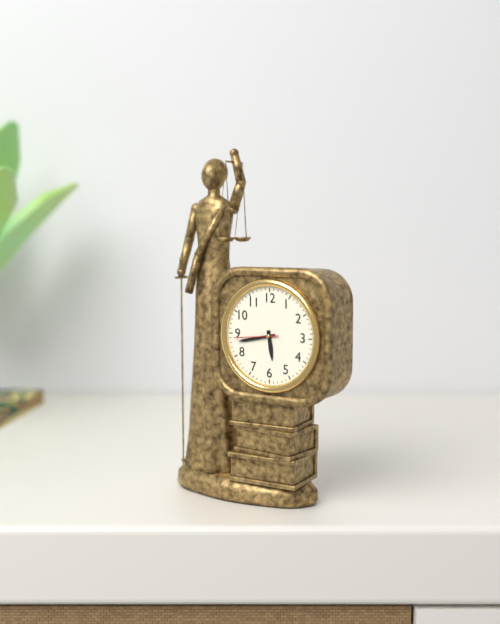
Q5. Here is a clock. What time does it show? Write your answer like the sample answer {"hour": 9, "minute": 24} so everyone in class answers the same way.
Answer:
{"hour": 5, "minute": 43}
